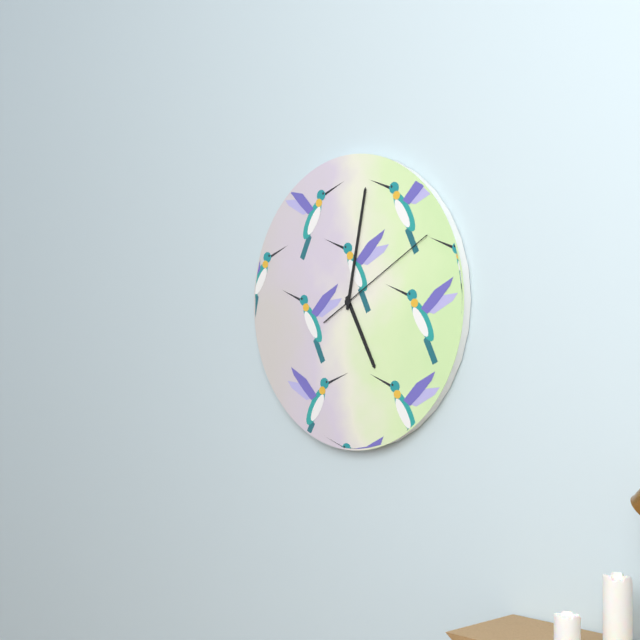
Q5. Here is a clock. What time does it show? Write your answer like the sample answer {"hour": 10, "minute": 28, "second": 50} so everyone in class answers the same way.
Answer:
{"hour": 5, "minute": 2, "second": 10}
